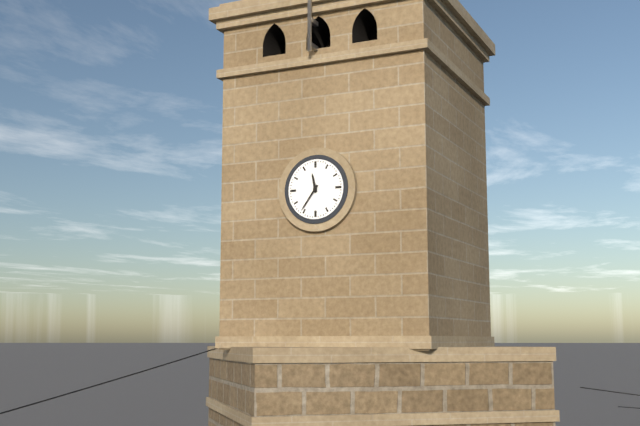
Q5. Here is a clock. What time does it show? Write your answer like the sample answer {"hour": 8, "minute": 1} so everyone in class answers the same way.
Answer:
{"hour": 11, "minute": 36}
